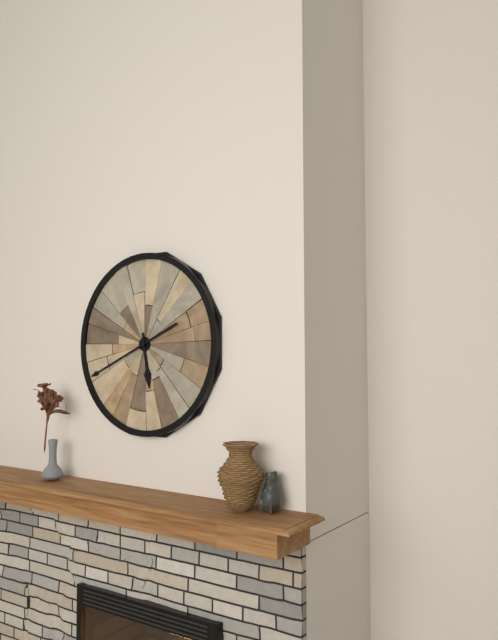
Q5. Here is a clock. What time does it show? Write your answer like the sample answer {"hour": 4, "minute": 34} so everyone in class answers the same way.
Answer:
{"hour": 5, "minute": 41}
